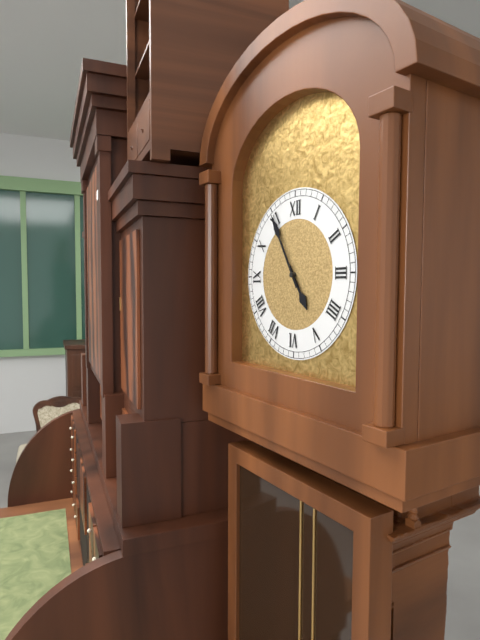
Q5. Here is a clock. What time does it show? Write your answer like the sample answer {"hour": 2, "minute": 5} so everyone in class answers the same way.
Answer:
{"hour": 4, "minute": 55}
